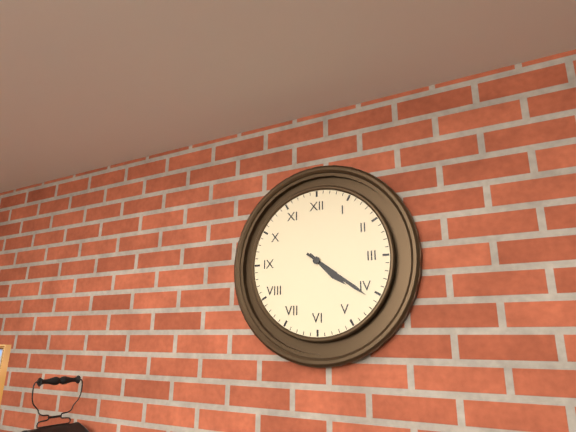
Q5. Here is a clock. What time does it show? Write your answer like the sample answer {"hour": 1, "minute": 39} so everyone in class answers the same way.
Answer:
{"hour": 4, "minute": 21}
